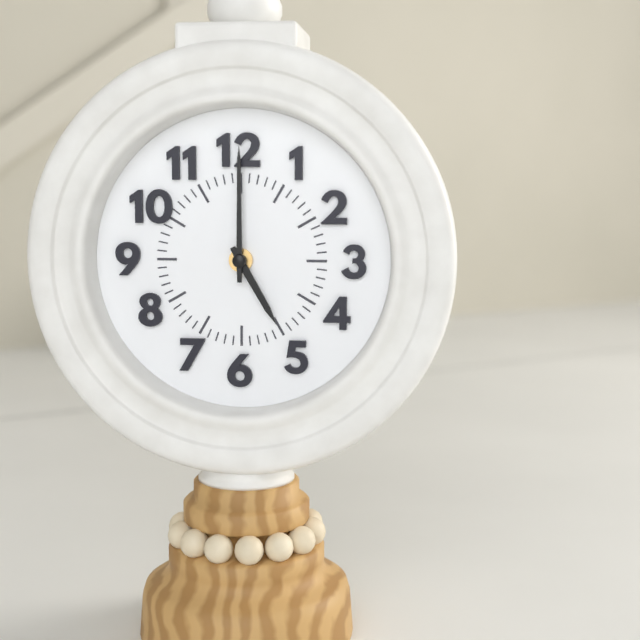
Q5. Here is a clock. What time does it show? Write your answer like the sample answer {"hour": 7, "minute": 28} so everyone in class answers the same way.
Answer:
{"hour": 5, "minute": 0}
